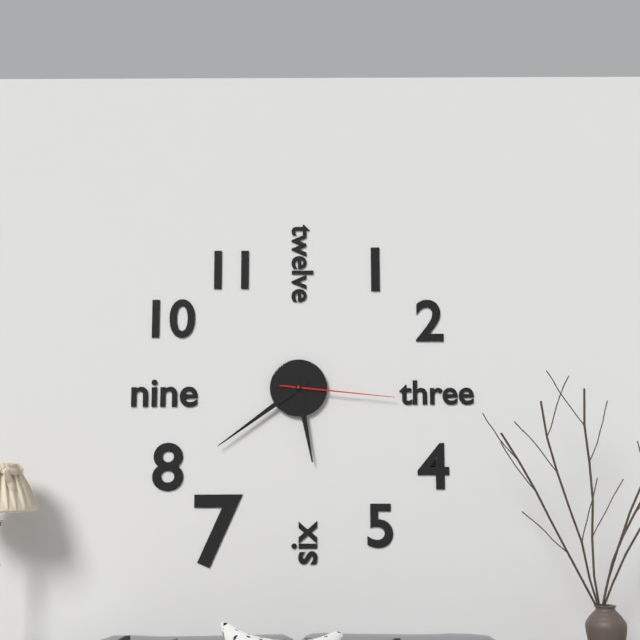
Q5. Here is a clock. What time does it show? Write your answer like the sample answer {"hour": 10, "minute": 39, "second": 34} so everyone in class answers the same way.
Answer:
{"hour": 5, "minute": 39, "second": 16}
